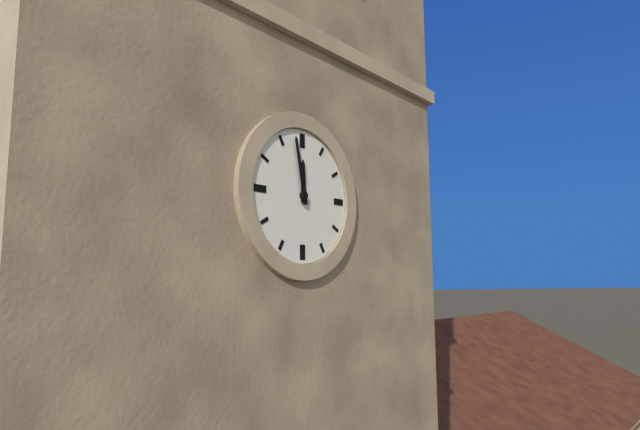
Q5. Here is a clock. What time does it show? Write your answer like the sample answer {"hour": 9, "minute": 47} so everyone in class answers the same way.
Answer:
{"hour": 11, "minute": 58}
